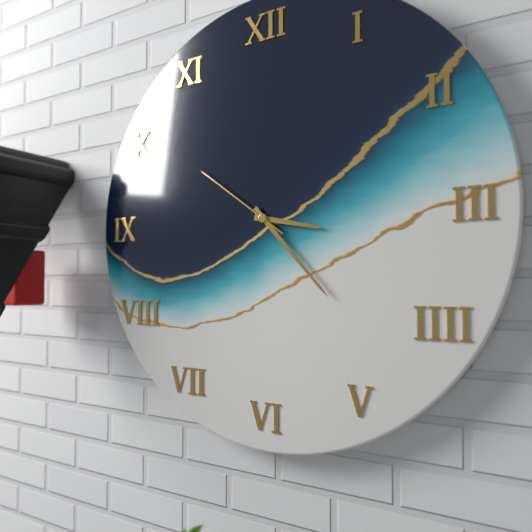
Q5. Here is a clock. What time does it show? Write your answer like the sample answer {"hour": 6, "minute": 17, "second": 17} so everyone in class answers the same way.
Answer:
{"hour": 3, "minute": 23, "second": 51}
